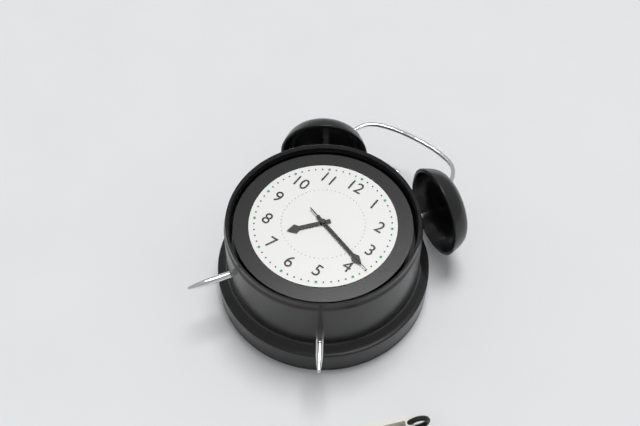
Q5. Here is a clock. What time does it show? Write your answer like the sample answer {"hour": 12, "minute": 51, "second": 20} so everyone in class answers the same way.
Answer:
{"hour": 7, "minute": 18, "second": 18}
